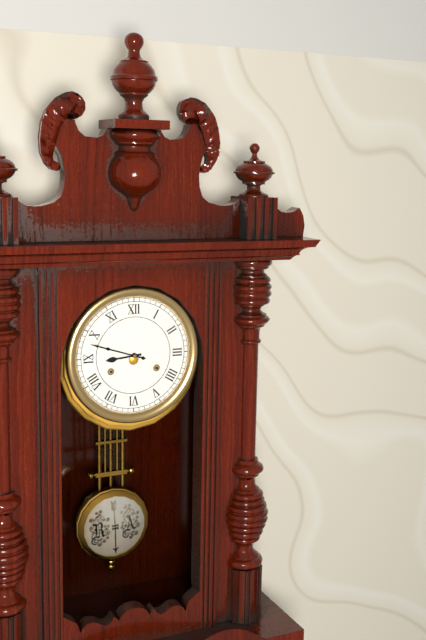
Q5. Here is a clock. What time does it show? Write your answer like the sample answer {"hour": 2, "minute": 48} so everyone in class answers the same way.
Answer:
{"hour": 8, "minute": 48}
